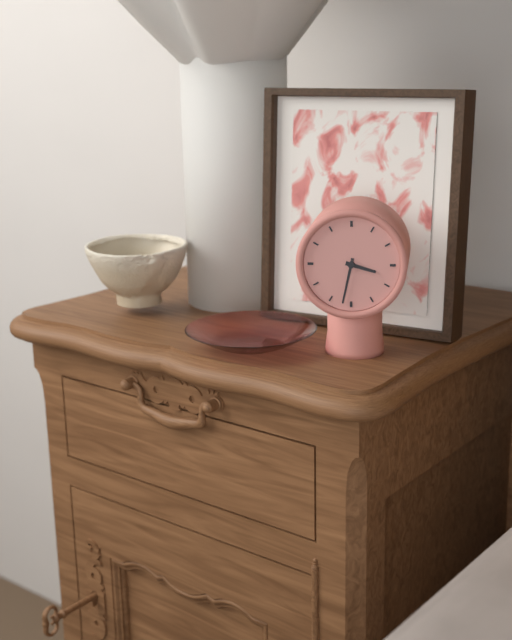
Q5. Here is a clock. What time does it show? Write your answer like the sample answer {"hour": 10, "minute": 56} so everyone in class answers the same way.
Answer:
{"hour": 3, "minute": 32}
